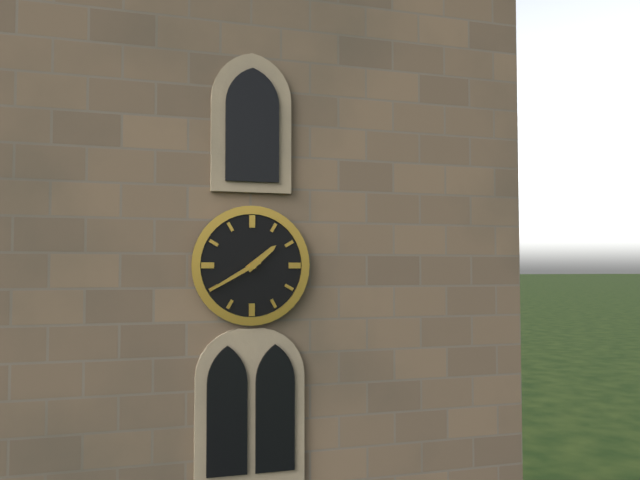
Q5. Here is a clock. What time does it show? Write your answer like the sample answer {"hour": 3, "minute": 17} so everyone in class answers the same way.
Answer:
{"hour": 1, "minute": 40}
